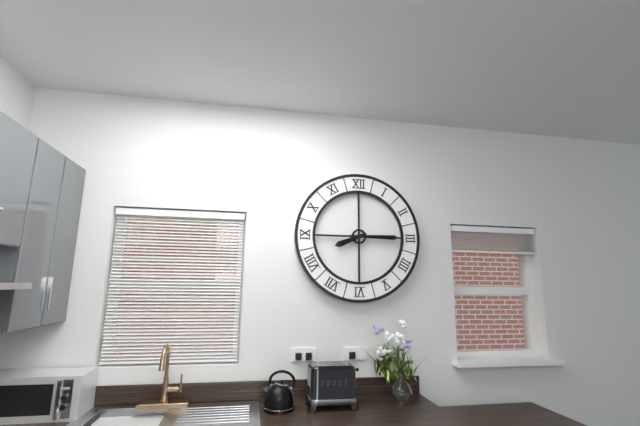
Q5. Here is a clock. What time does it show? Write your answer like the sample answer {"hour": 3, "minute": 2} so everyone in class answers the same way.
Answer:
{"hour": 8, "minute": 15}
